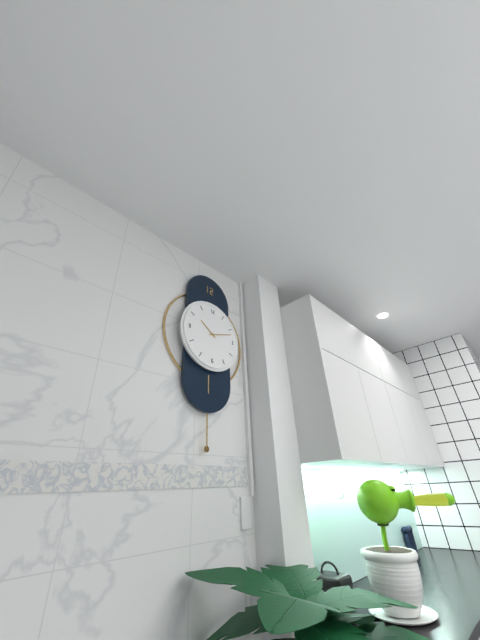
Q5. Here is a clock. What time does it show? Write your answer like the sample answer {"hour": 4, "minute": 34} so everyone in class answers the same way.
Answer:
{"hour": 10, "minute": 12}
